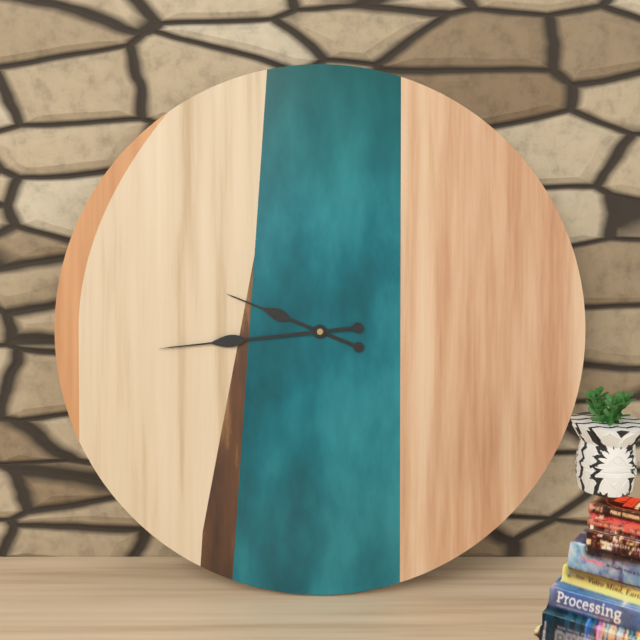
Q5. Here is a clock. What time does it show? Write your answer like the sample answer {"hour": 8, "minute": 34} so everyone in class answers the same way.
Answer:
{"hour": 9, "minute": 44}
